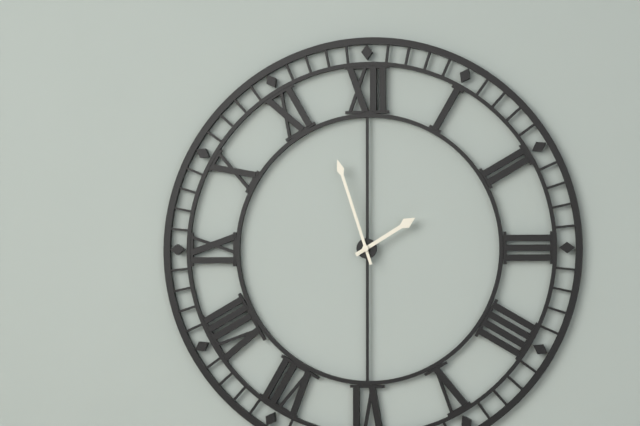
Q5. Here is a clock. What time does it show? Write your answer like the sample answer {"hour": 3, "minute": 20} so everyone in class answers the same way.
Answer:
{"hour": 1, "minute": 57}
